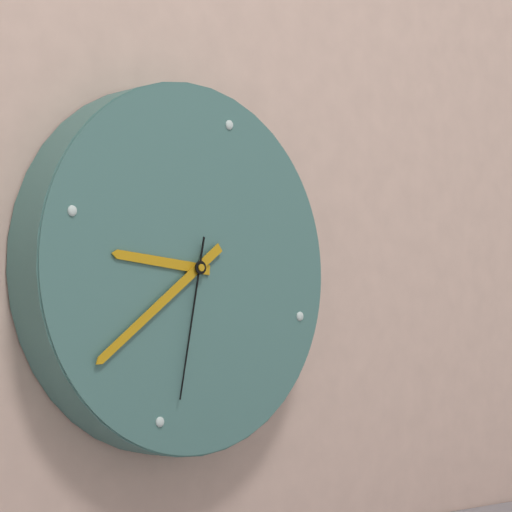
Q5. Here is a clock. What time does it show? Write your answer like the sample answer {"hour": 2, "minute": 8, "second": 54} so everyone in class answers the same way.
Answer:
{"hour": 8, "minute": 36, "second": 29}
